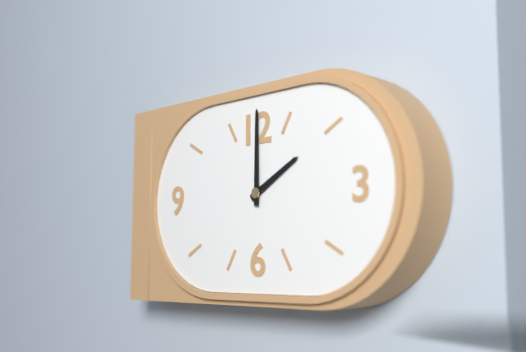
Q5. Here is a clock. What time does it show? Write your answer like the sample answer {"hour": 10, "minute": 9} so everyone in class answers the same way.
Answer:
{"hour": 2, "minute": 0}
